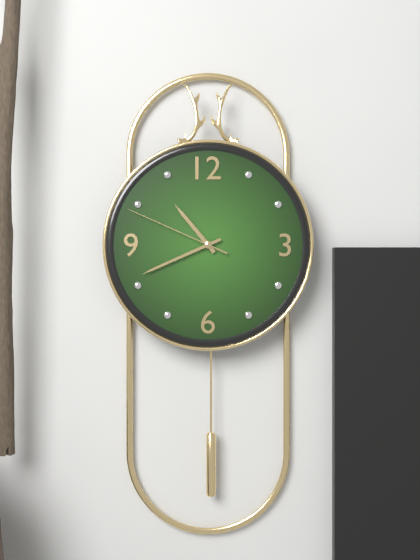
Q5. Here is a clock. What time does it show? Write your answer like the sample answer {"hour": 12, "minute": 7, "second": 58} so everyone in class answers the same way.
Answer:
{"hour": 10, "minute": 41, "second": 49}
